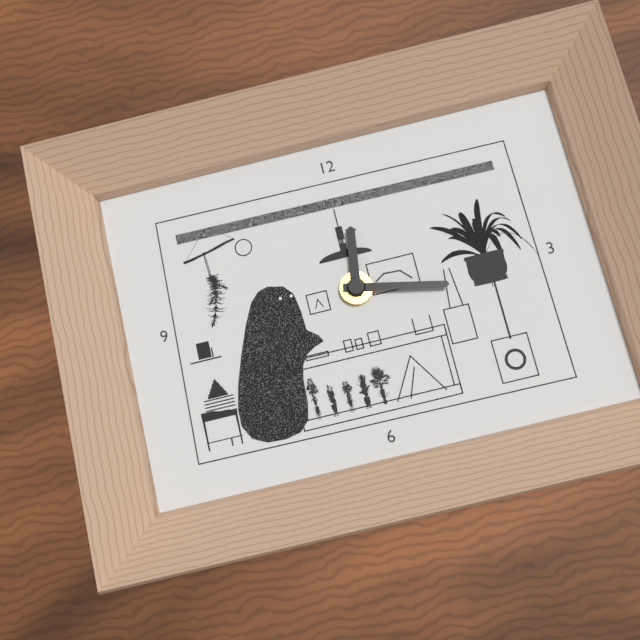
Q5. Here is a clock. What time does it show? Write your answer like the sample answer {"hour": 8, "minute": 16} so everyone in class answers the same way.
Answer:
{"hour": 12, "minute": 17}
